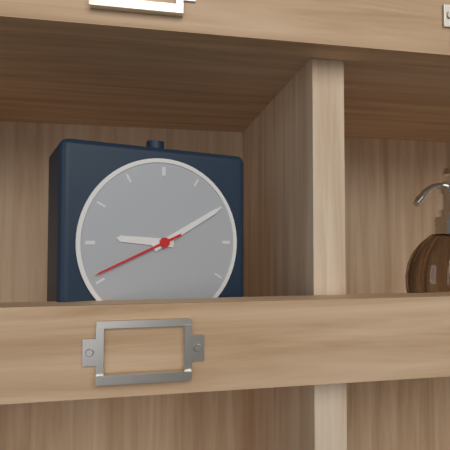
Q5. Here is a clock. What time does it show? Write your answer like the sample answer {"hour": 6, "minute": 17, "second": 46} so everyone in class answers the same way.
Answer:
{"hour": 9, "minute": 10, "second": 41}
